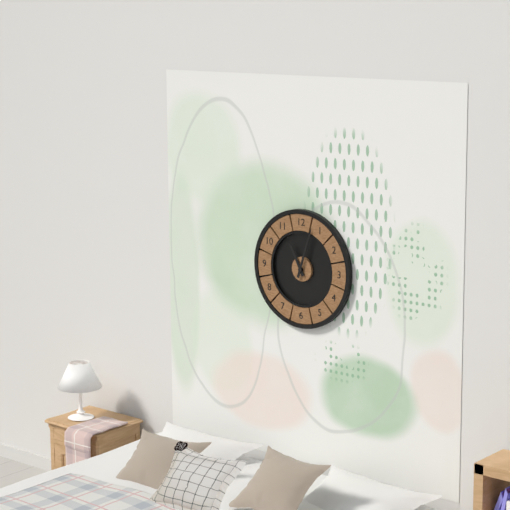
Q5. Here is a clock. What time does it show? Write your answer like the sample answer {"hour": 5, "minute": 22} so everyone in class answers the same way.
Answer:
{"hour": 11, "minute": 3}
